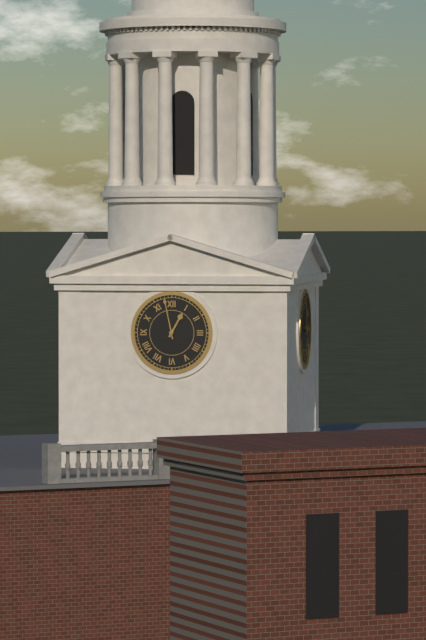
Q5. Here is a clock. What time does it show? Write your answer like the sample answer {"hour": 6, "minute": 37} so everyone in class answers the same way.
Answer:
{"hour": 12, "minute": 58}
